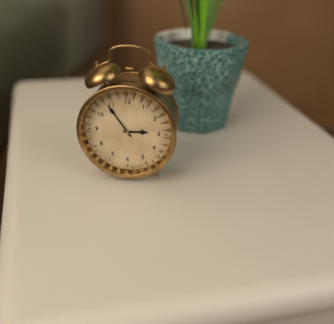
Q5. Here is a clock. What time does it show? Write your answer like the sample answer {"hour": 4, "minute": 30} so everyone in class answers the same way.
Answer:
{"hour": 2, "minute": 54}
